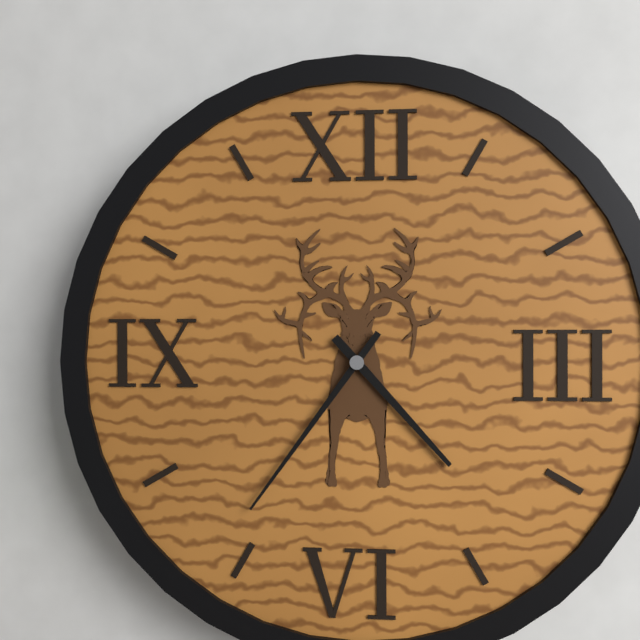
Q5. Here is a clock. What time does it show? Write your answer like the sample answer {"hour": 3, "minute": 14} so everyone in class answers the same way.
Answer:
{"hour": 4, "minute": 36}
